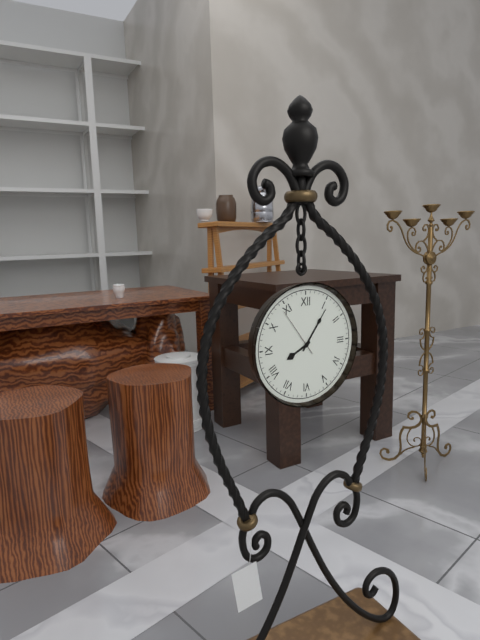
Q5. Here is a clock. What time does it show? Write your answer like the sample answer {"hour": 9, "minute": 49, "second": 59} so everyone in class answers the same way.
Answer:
{"hour": 8, "minute": 6, "second": 54}
